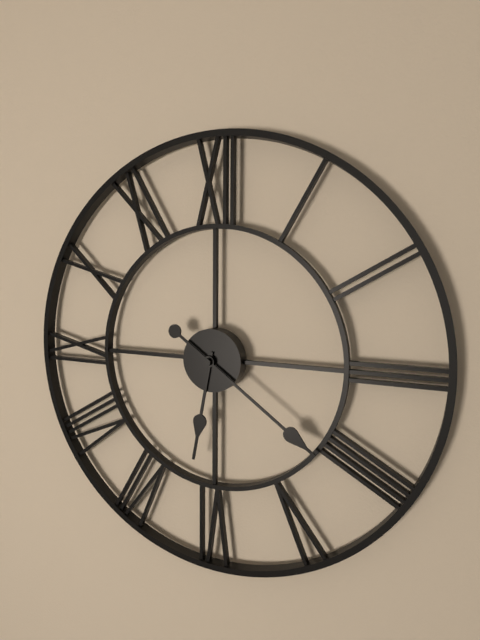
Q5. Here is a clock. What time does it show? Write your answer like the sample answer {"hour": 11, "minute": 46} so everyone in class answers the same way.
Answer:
{"hour": 6, "minute": 21}
